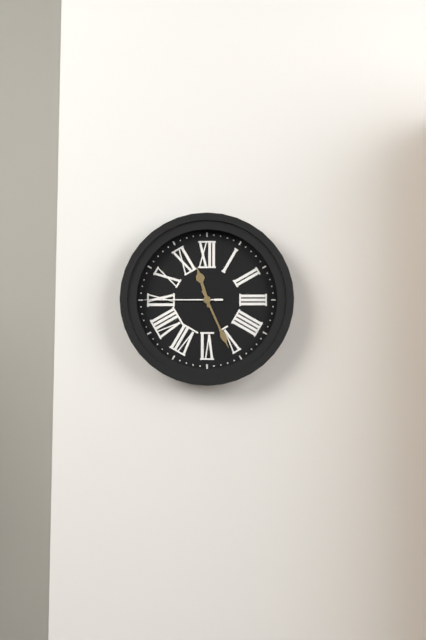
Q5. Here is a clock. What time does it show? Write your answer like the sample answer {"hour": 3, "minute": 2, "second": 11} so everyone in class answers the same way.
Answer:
{"hour": 11, "minute": 26, "second": 45}
